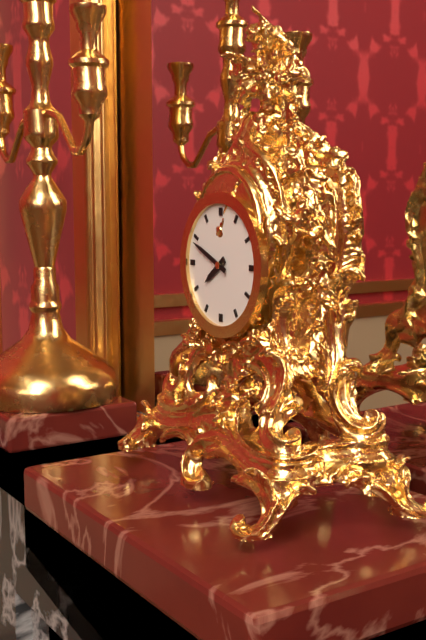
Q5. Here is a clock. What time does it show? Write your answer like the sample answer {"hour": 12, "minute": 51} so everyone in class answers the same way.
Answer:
{"hour": 7, "minute": 49}
